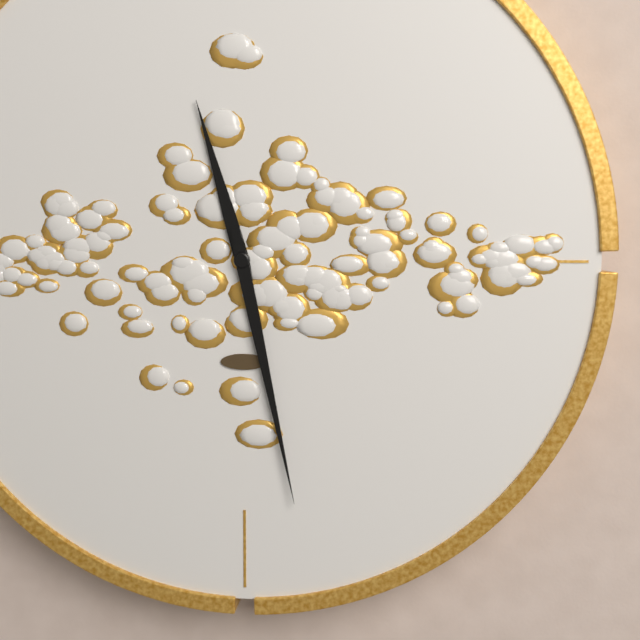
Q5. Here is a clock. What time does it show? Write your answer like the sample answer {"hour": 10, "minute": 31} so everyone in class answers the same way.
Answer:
{"hour": 11, "minute": 28}
